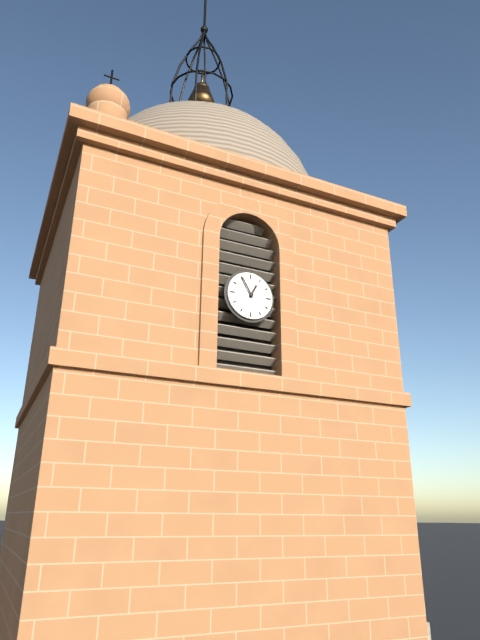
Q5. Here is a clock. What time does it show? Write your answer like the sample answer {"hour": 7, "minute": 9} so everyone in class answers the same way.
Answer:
{"hour": 12, "minute": 55}
